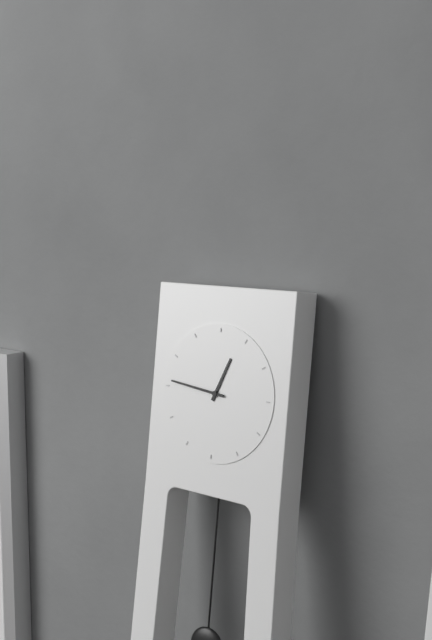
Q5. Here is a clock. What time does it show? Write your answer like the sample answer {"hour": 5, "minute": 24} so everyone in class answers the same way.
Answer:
{"hour": 12, "minute": 46}
